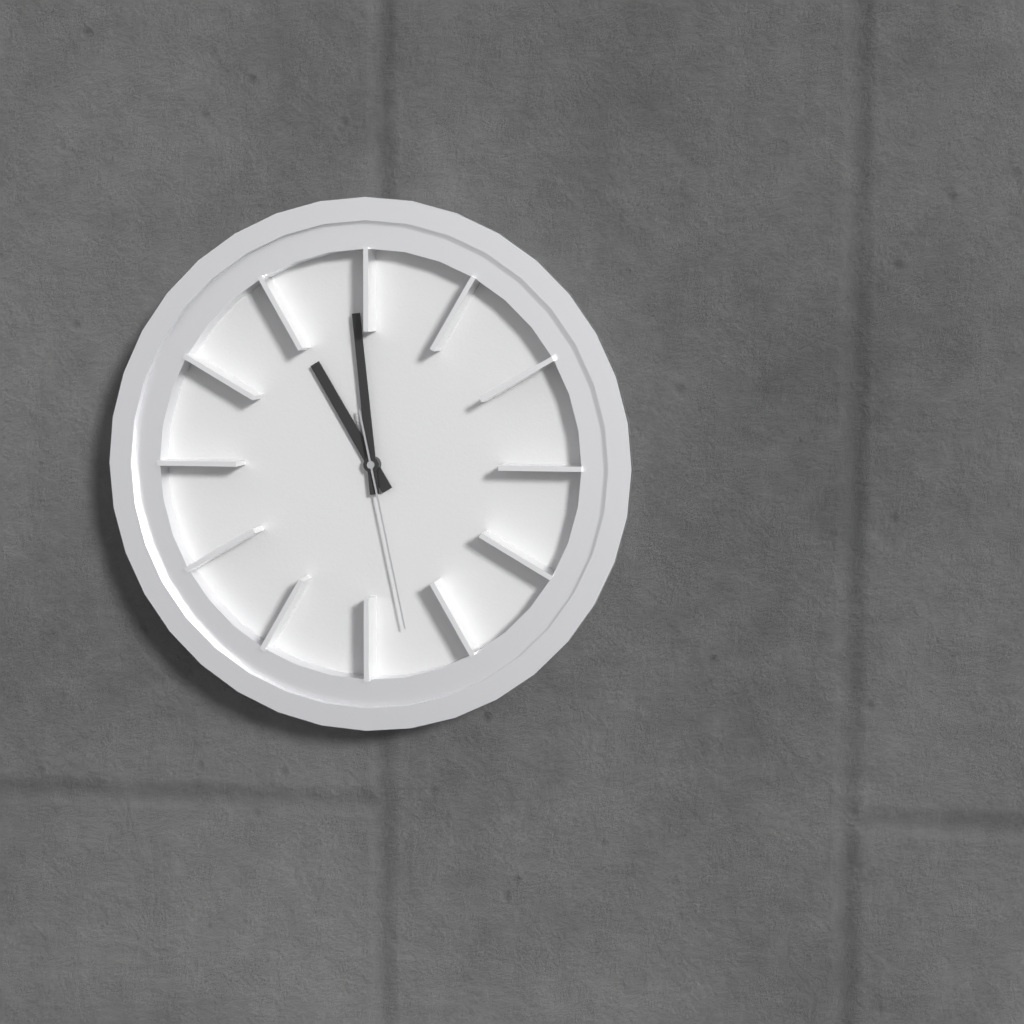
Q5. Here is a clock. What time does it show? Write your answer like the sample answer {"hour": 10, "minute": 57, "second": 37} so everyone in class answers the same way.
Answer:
{"hour": 10, "minute": 59, "second": 28}
